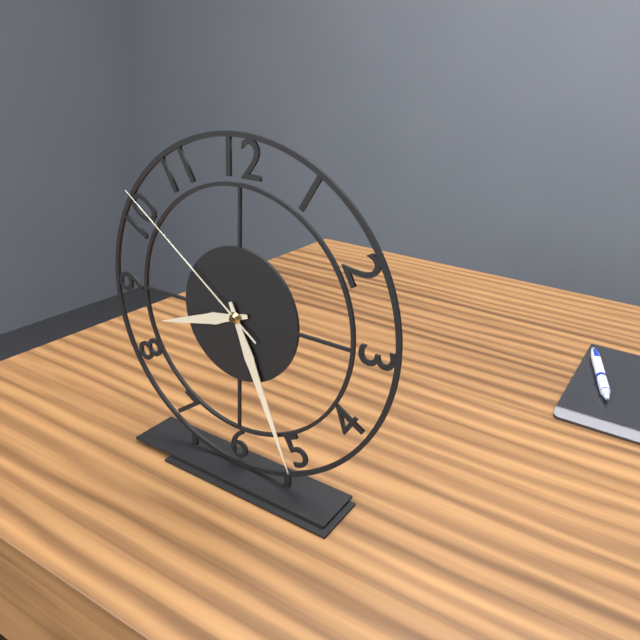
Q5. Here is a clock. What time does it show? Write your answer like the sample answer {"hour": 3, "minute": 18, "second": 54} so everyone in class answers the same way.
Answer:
{"hour": 8, "minute": 26, "second": 51}
